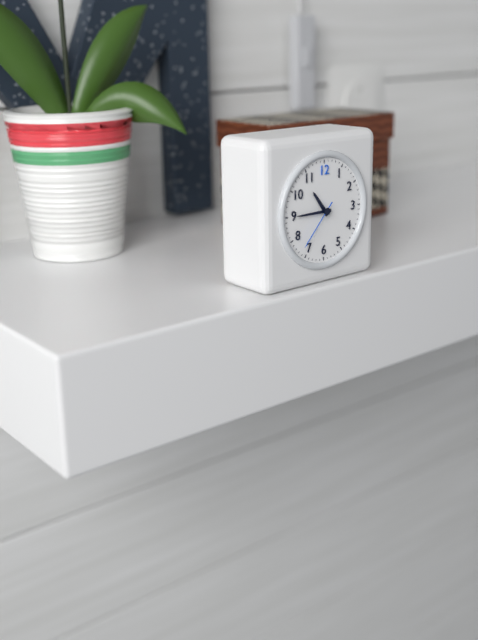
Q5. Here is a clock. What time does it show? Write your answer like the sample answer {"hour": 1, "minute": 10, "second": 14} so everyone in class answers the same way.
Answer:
{"hour": 10, "minute": 45, "second": 37}
